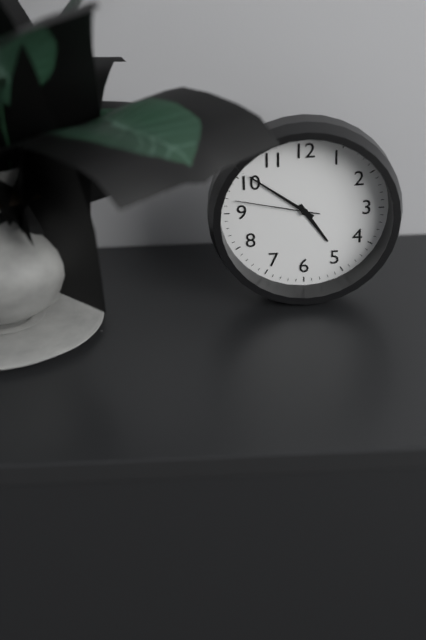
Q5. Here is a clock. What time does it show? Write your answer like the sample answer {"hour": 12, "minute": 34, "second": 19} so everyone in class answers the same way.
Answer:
{"hour": 4, "minute": 51, "second": 47}
